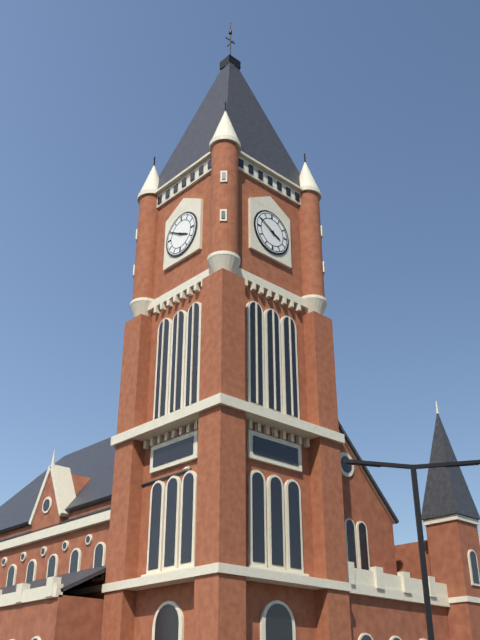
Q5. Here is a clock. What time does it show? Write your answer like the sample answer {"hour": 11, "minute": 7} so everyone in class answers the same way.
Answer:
{"hour": 3, "minute": 50}
